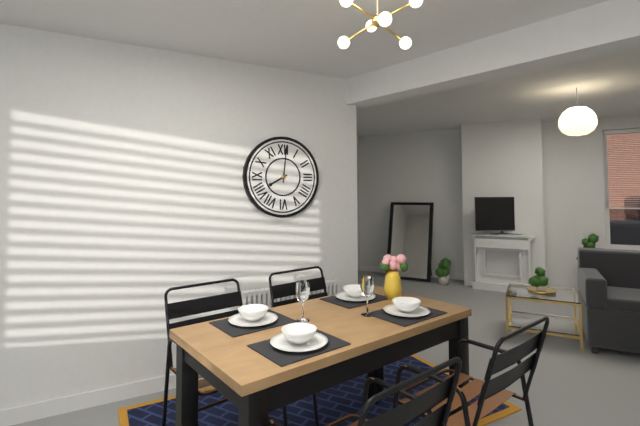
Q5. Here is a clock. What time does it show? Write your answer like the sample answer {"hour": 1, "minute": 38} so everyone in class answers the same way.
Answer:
{"hour": 8, "minute": 1}
